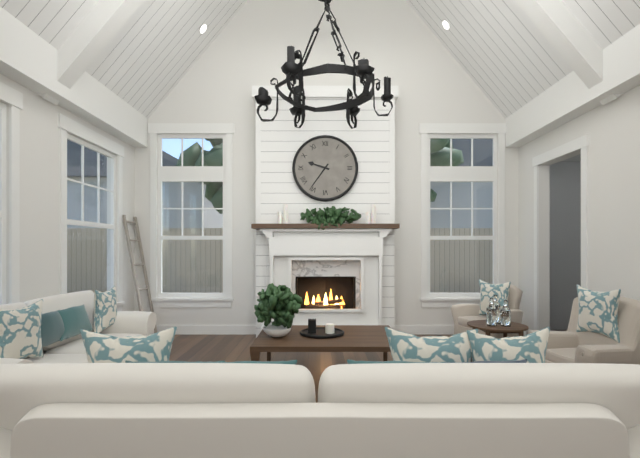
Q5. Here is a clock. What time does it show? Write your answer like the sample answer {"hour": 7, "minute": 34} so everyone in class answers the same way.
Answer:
{"hour": 9, "minute": 36}
